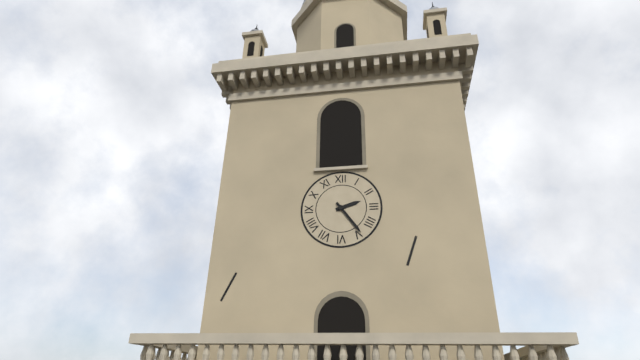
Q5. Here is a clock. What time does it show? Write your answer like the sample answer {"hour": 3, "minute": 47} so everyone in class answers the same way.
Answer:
{"hour": 2, "minute": 24}
